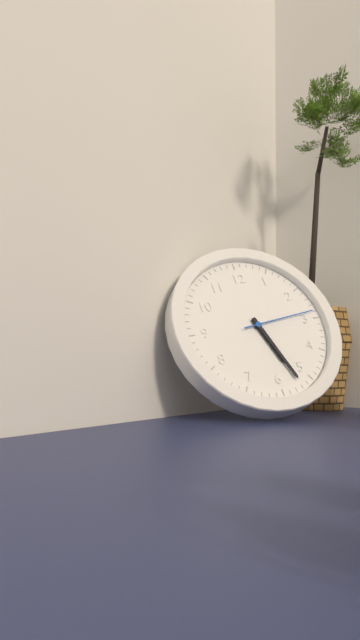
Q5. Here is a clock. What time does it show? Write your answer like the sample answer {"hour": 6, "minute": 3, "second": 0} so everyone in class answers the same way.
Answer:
{"hour": 5, "minute": 27, "second": 14}
